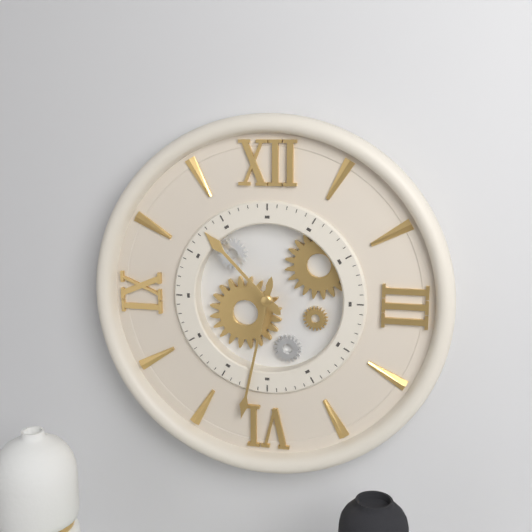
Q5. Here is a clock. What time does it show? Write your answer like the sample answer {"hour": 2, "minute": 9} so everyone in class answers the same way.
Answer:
{"hour": 10, "minute": 32}
